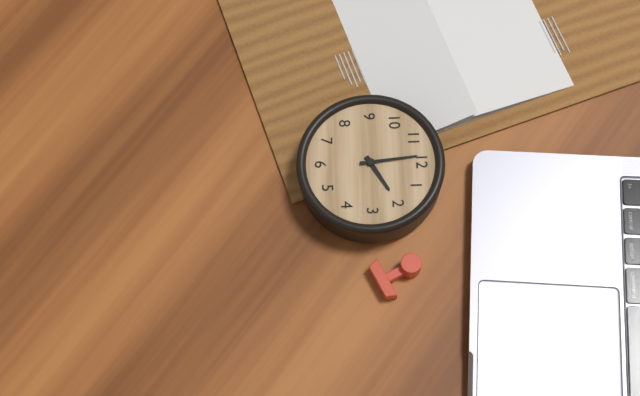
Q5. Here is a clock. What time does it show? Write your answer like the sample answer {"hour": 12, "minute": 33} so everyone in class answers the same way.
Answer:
{"hour": 1, "minute": 59}
